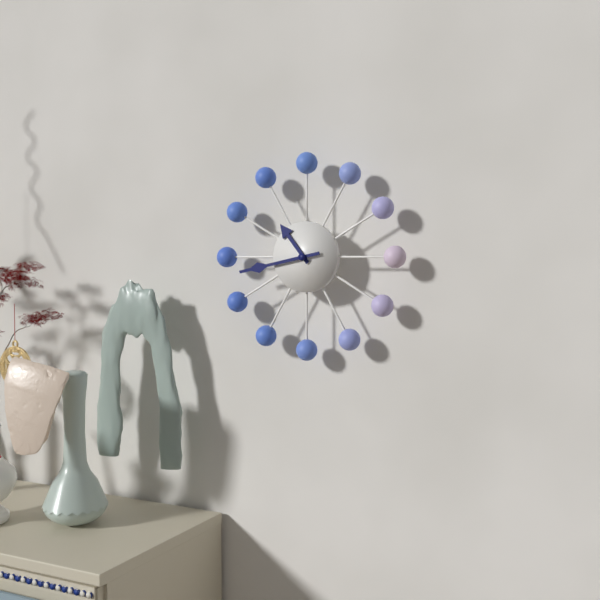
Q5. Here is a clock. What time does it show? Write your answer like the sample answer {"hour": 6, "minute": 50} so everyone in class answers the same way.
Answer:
{"hour": 10, "minute": 43}
